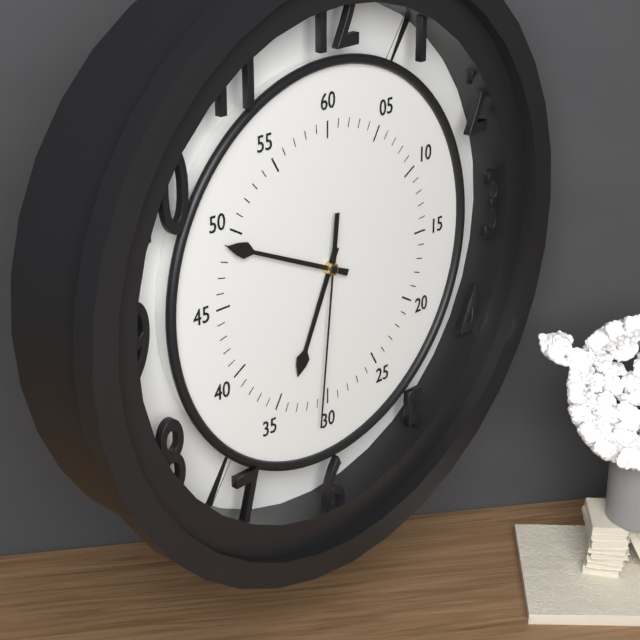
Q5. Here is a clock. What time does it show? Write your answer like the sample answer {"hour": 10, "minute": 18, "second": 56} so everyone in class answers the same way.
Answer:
{"hour": 6, "minute": 49, "second": 31}
